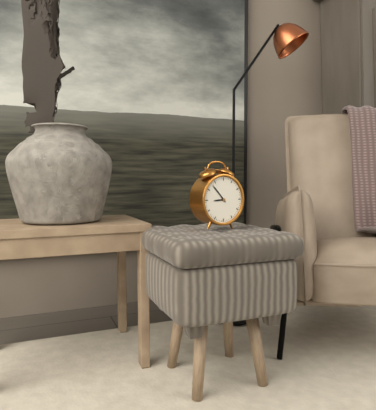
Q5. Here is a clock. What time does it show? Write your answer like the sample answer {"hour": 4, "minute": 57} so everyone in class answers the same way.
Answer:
{"hour": 8, "minute": 53}
